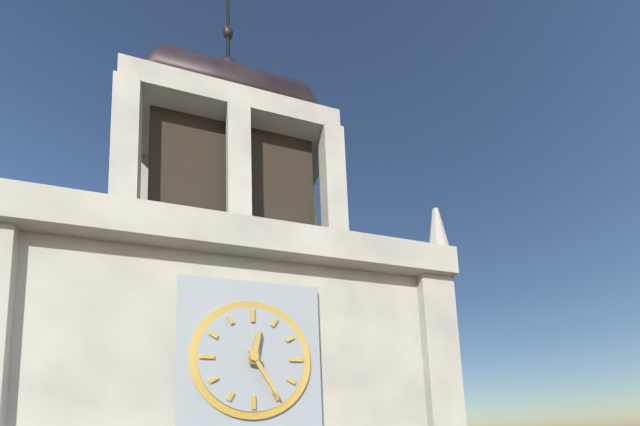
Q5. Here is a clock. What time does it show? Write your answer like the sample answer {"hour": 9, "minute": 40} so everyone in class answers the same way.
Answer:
{"hour": 12, "minute": 25}
